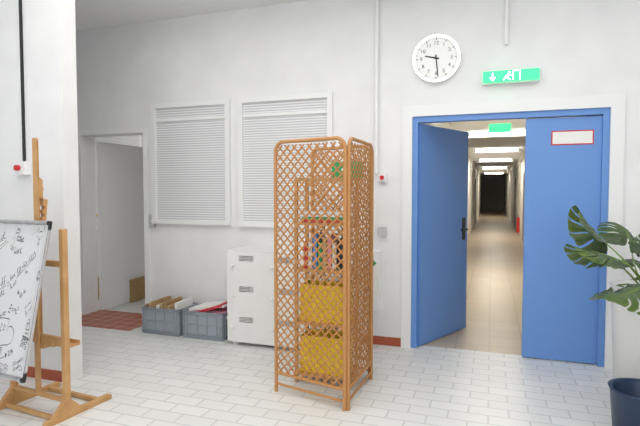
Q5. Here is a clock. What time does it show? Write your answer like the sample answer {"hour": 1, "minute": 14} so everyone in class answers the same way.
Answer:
{"hour": 9, "minute": 29}
